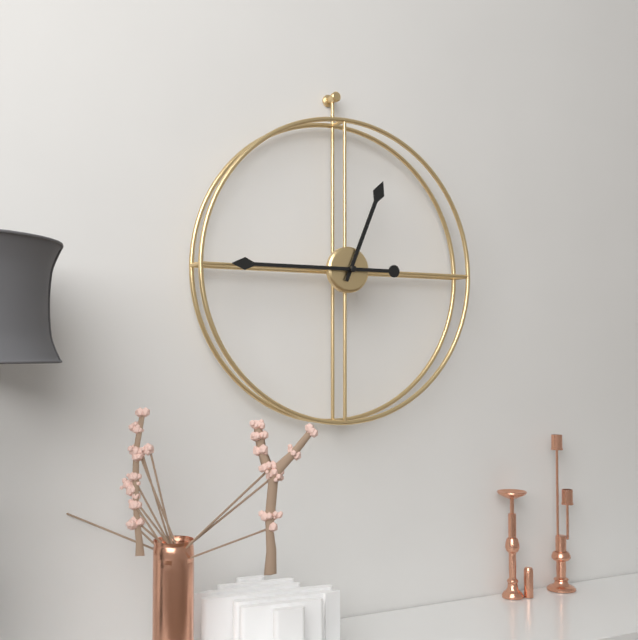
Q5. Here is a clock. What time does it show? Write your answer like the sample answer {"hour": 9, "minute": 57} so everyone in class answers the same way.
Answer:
{"hour": 12, "minute": 45}
